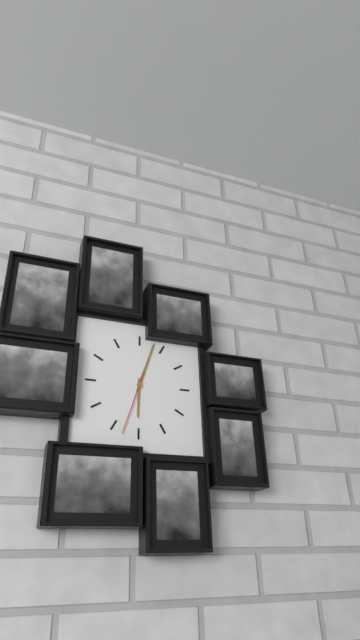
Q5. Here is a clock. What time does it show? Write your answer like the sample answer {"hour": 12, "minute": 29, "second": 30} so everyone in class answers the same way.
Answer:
{"hour": 6, "minute": 3, "second": 33}
